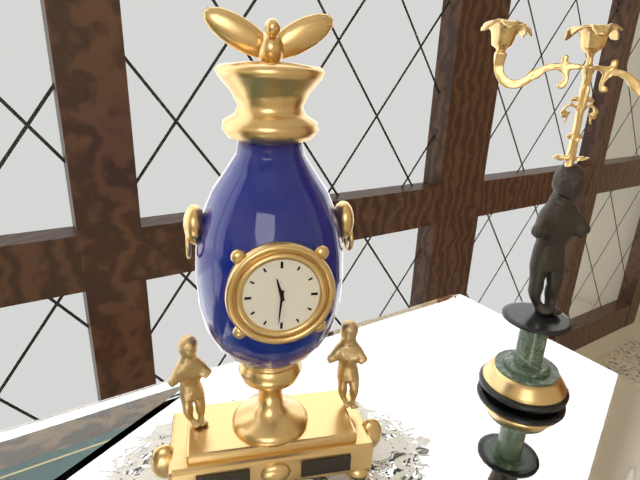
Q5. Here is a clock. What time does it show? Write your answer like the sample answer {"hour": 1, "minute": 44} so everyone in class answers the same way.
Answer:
{"hour": 11, "minute": 31}
